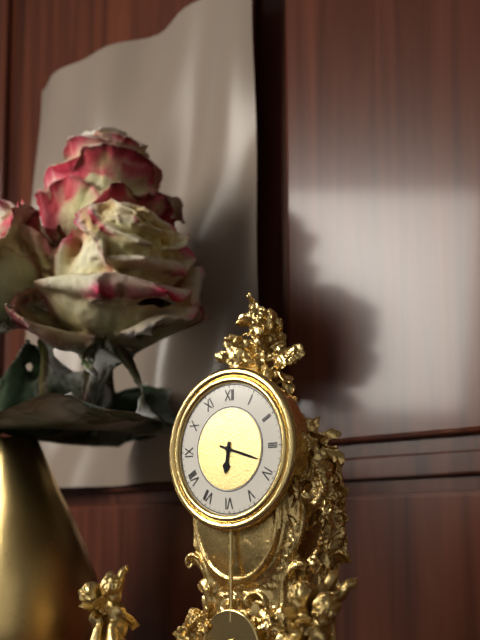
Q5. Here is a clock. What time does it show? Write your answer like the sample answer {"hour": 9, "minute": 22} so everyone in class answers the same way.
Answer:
{"hour": 6, "minute": 18}
